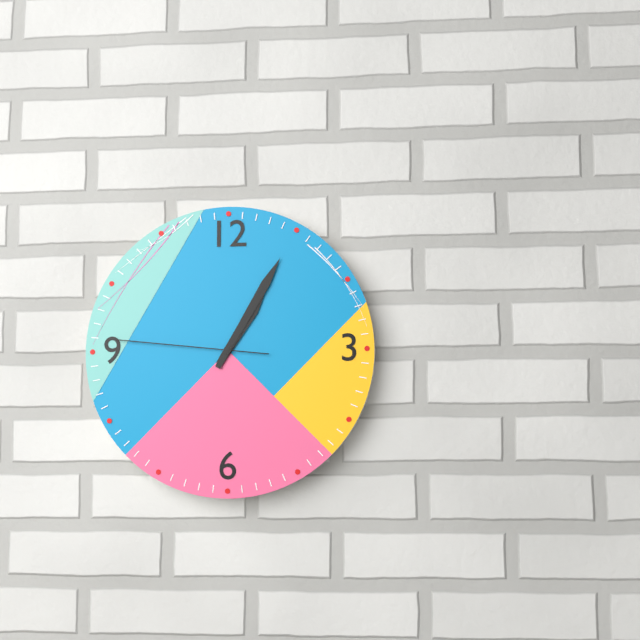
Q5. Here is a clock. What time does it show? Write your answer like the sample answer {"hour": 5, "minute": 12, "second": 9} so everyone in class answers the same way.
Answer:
{"hour": 1, "minute": 5, "second": 46}
